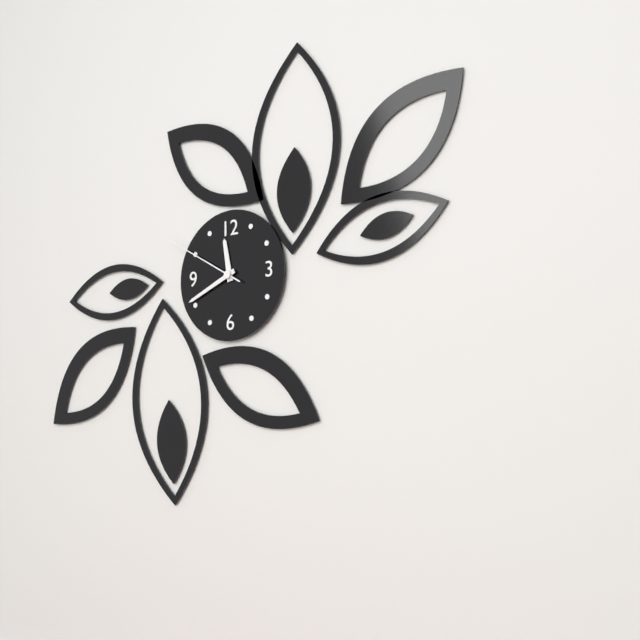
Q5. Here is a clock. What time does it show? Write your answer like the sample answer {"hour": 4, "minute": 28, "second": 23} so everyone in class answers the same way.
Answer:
{"hour": 11, "minute": 41, "second": 50}
